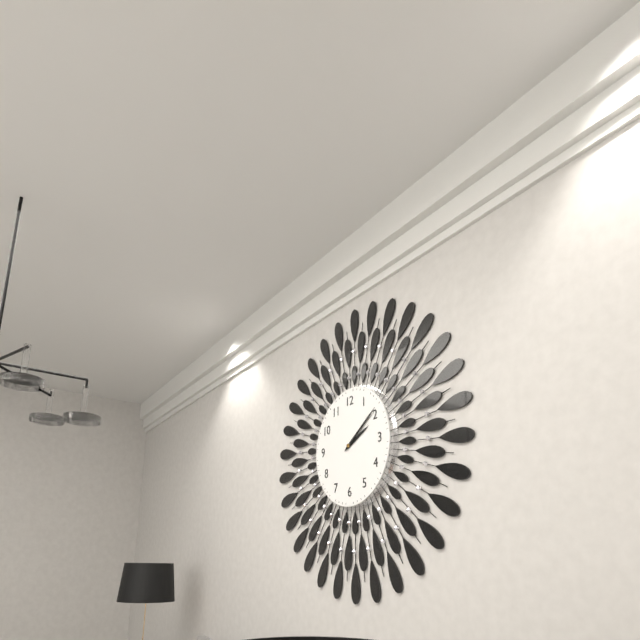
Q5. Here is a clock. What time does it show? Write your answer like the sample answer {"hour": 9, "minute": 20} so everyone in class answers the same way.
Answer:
{"hour": 2, "minute": 9}
